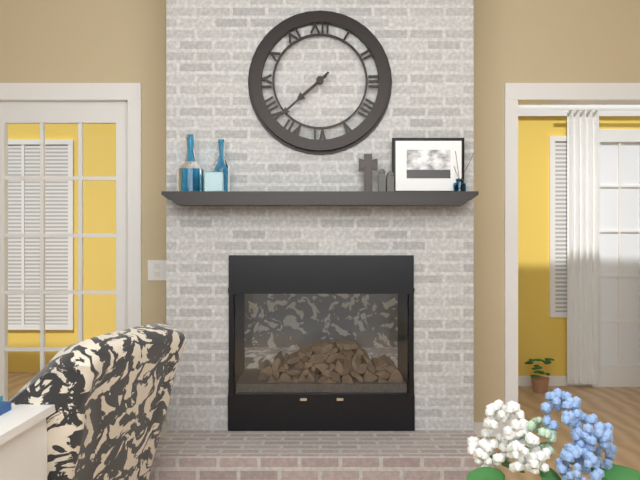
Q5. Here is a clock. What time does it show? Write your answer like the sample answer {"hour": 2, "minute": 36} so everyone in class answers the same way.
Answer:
{"hour": 7, "minute": 38}
